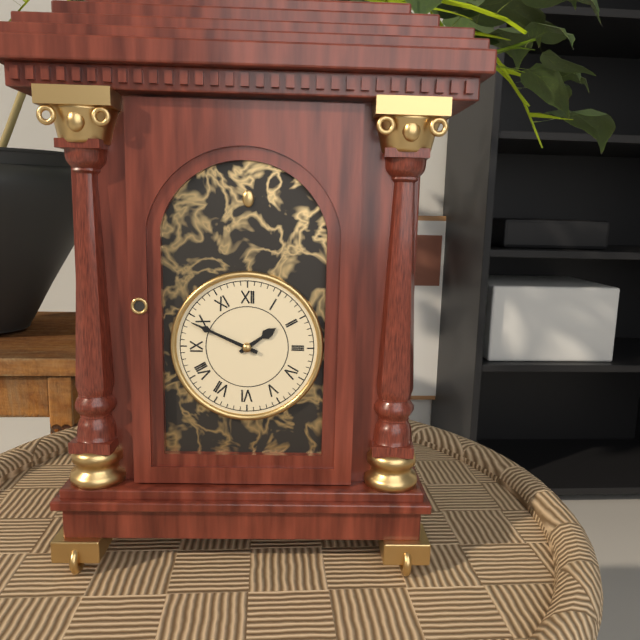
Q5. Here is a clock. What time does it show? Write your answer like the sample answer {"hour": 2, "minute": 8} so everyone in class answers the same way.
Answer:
{"hour": 1, "minute": 49}
